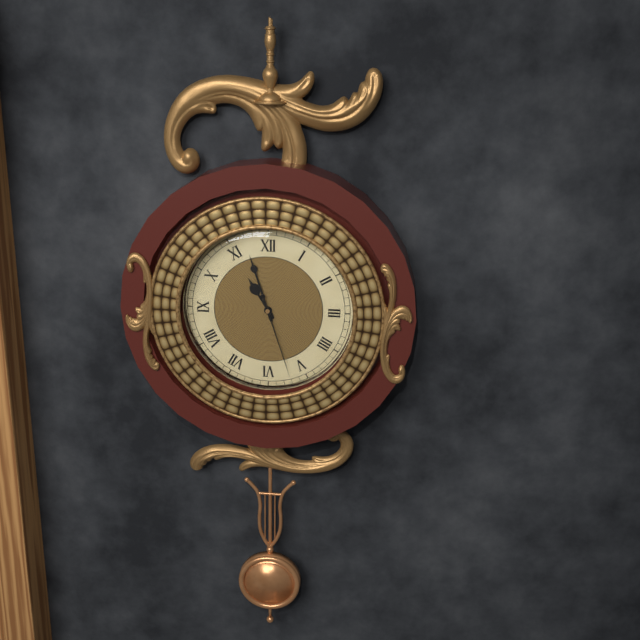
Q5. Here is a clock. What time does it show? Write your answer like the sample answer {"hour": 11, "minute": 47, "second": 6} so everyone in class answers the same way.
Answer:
{"hour": 10, "minute": 57, "second": 27}
